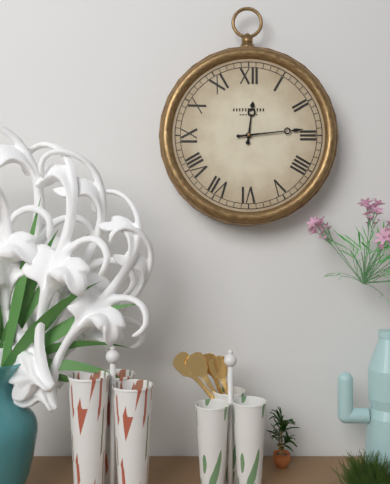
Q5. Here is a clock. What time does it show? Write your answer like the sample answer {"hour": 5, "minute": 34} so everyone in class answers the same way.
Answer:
{"hour": 12, "minute": 14}
